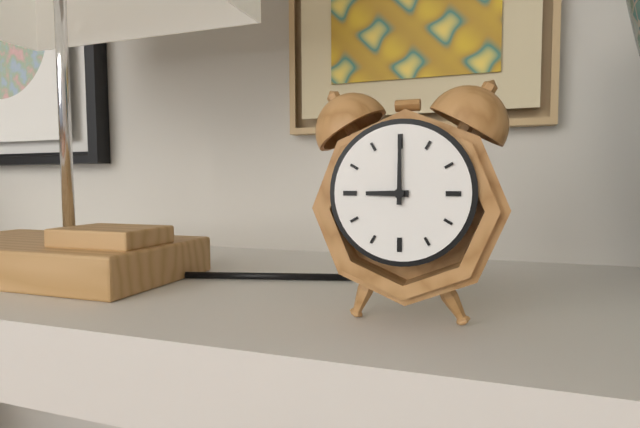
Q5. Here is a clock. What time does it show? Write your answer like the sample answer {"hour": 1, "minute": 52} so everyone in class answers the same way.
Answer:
{"hour": 9, "minute": 0}
